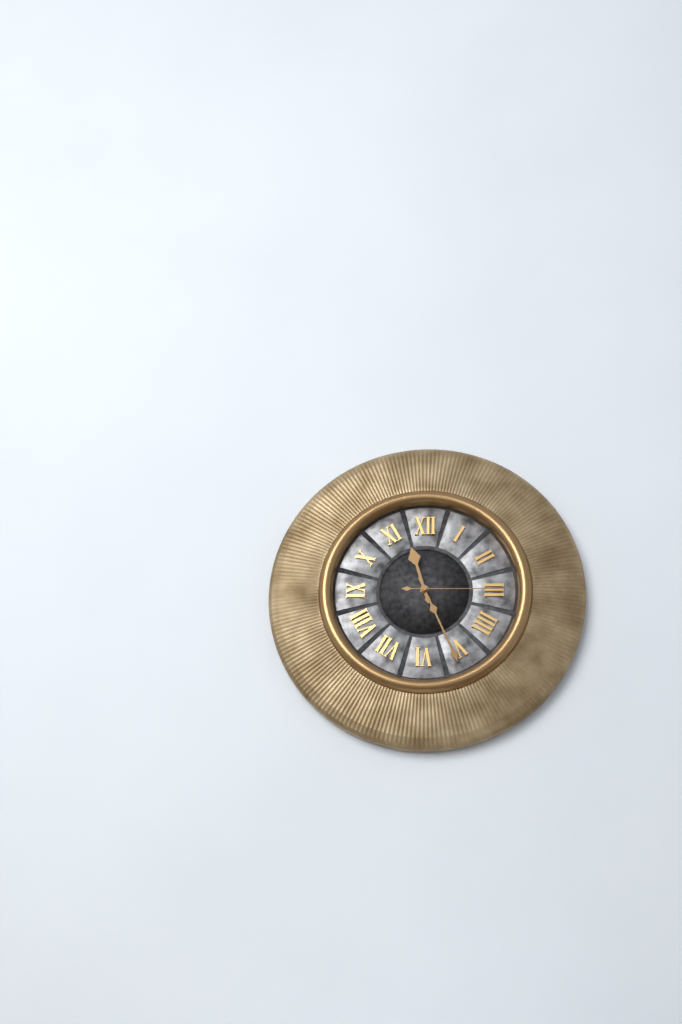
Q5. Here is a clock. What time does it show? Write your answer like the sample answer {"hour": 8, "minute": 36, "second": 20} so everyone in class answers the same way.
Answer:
{"hour": 11, "minute": 26, "second": 15}
